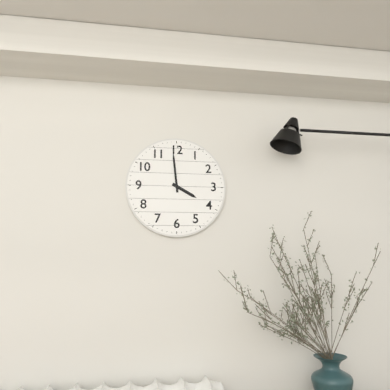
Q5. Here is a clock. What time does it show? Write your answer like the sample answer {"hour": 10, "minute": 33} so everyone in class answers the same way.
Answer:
{"hour": 3, "minute": 59}
